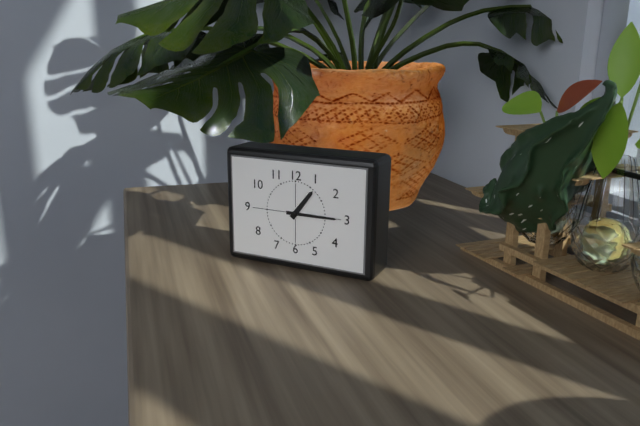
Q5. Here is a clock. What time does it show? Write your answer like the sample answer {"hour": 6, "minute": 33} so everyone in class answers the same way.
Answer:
{"hour": 1, "minute": 15}
